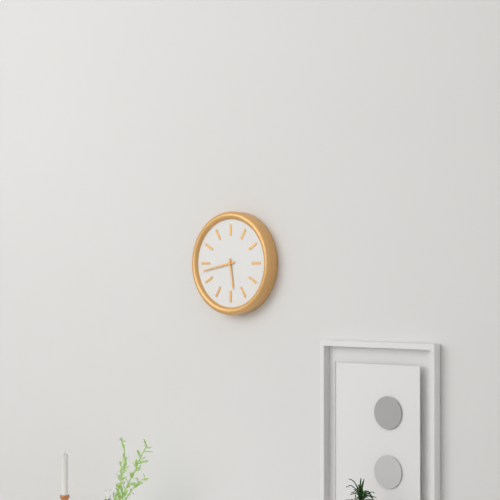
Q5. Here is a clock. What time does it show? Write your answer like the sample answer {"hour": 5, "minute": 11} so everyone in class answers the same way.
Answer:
{"hour": 5, "minute": 43}
